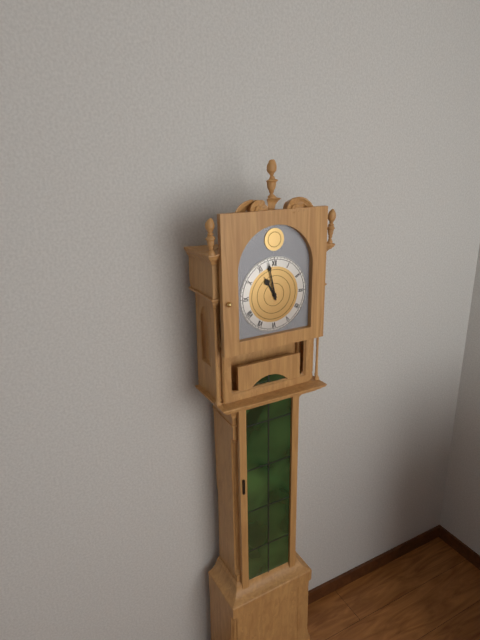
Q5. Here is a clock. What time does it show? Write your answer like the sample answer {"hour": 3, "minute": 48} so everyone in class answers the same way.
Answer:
{"hour": 10, "minute": 58}
